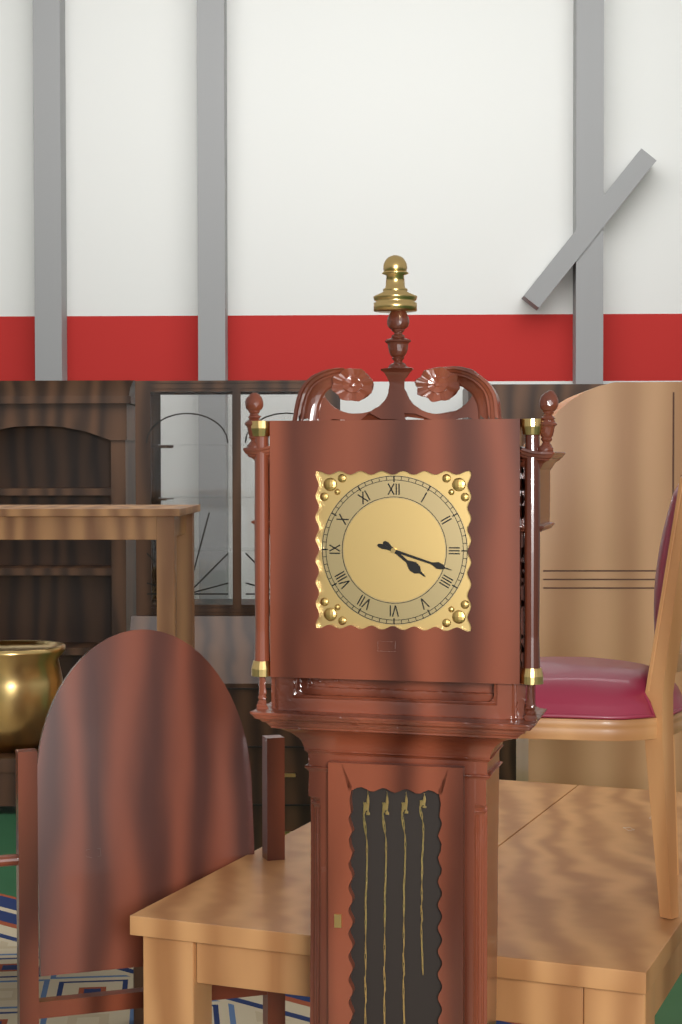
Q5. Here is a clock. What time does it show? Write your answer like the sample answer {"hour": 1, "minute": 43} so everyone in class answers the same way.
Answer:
{"hour": 4, "minute": 18}
